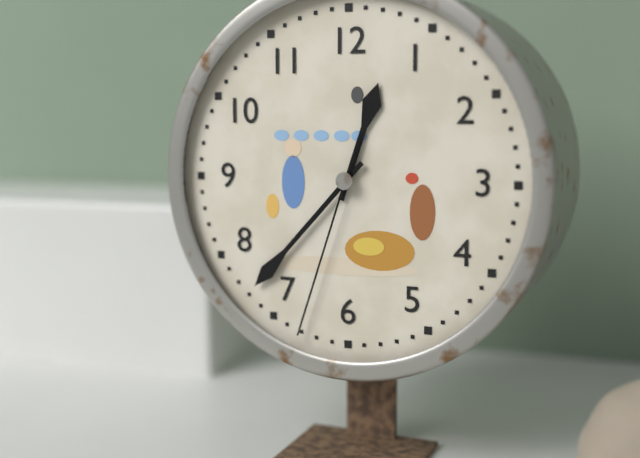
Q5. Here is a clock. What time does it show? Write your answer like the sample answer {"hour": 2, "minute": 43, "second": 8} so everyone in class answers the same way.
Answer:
{"hour": 12, "minute": 37, "second": 33}
